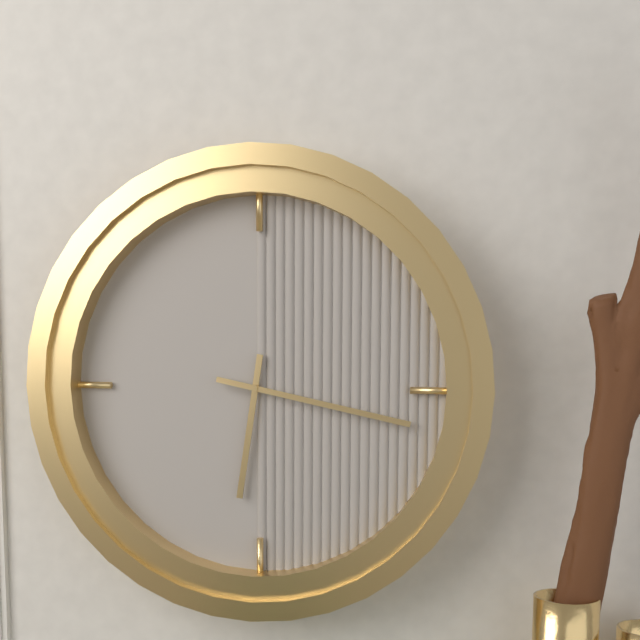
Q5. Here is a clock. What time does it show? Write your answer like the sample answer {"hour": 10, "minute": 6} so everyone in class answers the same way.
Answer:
{"hour": 6, "minute": 17}
